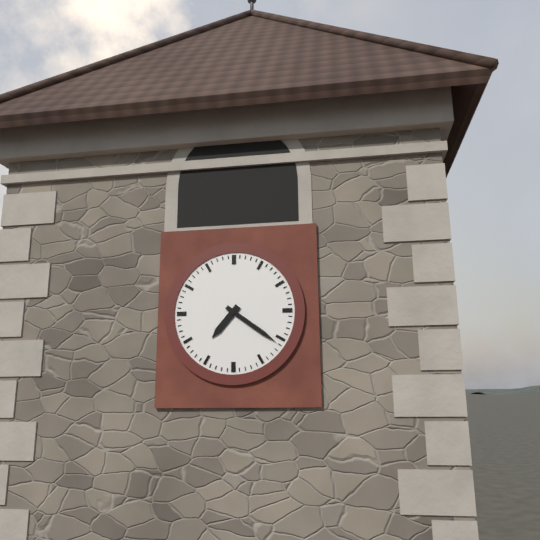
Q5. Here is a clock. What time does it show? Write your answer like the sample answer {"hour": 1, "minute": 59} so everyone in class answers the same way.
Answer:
{"hour": 7, "minute": 21}
